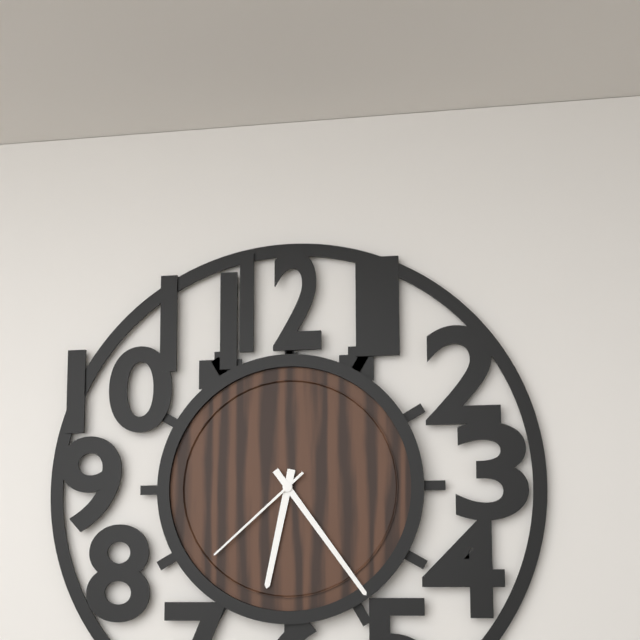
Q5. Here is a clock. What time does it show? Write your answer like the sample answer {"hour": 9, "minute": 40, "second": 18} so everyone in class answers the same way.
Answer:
{"hour": 6, "minute": 24, "second": 38}
